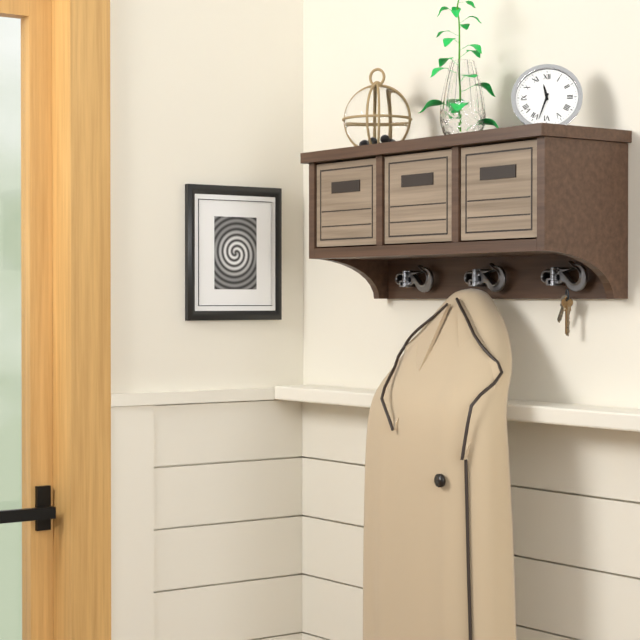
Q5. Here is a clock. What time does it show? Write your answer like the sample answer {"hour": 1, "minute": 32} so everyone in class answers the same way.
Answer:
{"hour": 11, "minute": 33}
